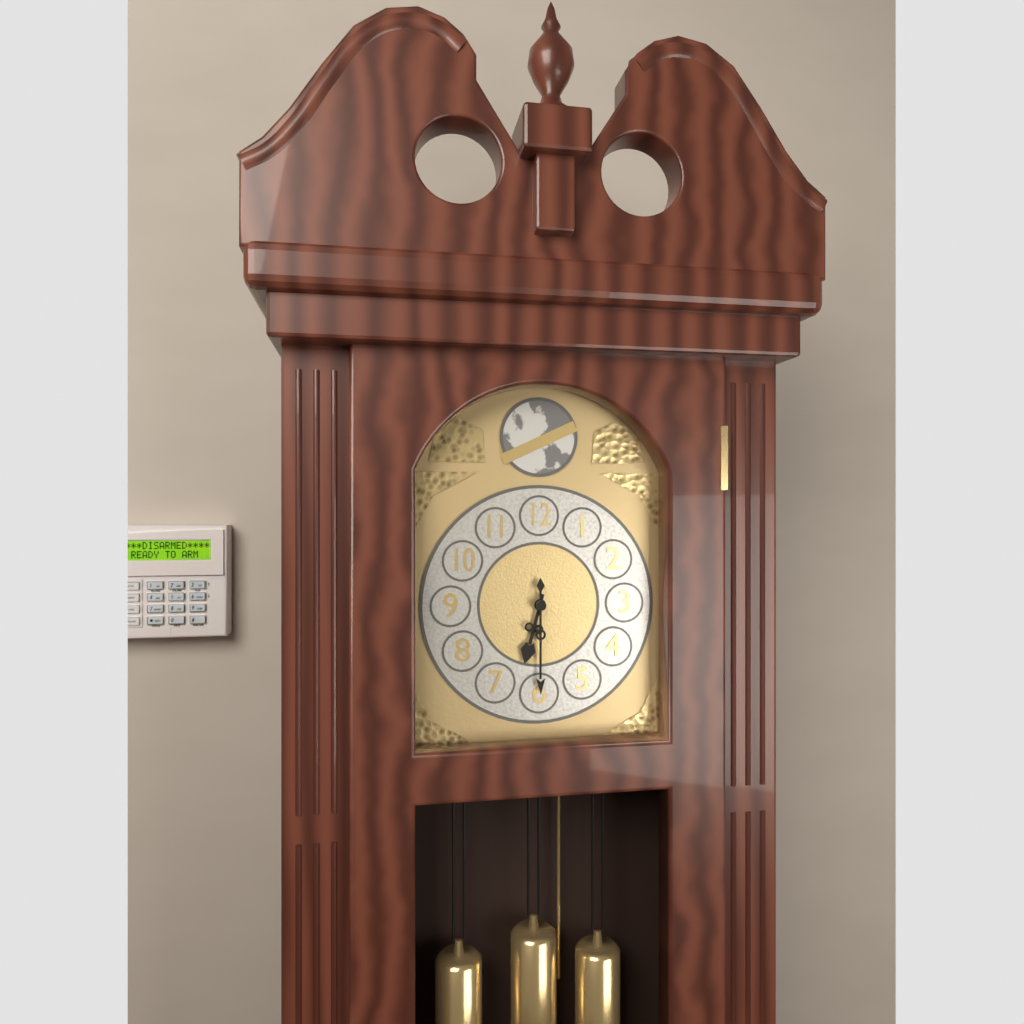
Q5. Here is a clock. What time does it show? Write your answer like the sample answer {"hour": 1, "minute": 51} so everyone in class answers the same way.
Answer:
{"hour": 6, "minute": 30}
